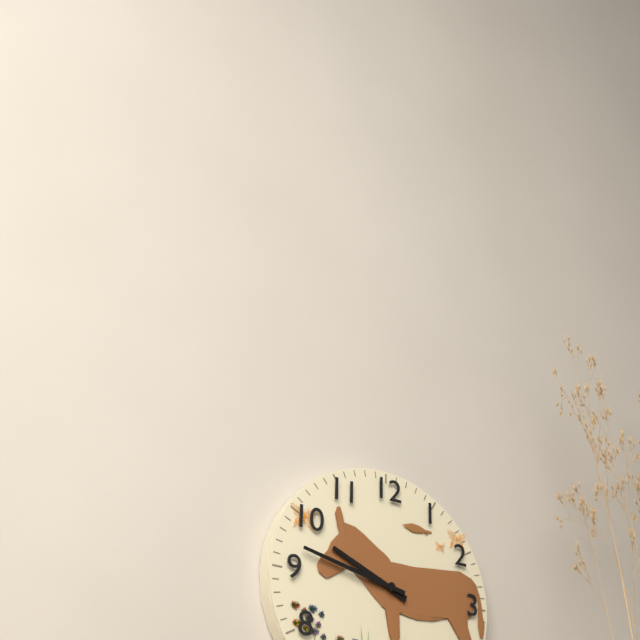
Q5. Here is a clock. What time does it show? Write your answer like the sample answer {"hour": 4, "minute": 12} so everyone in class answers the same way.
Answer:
{"hour": 9, "minute": 47}
